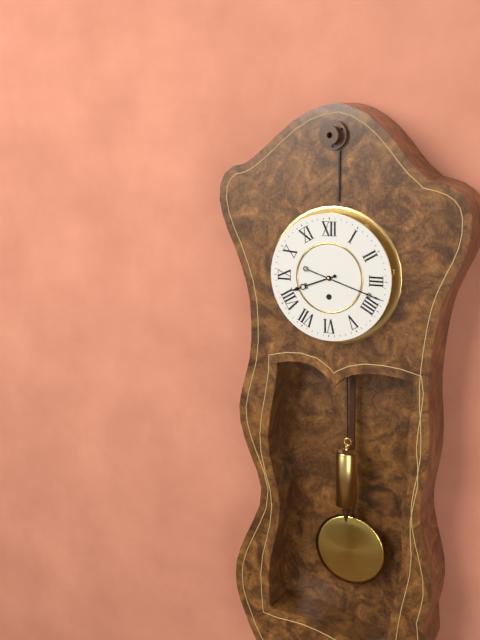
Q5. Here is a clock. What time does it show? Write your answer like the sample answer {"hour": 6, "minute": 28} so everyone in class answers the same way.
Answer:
{"hour": 8, "minute": 18}
